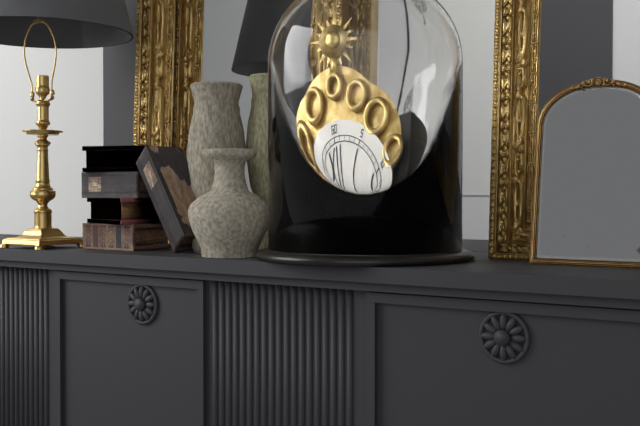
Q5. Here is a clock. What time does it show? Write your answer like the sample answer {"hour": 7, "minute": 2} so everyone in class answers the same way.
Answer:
{"hour": 1, "minute": 37}
